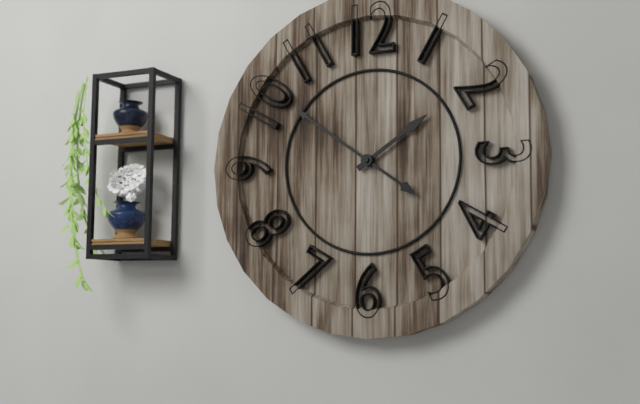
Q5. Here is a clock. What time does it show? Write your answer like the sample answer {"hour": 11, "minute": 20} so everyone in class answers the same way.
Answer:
{"hour": 1, "minute": 51}
